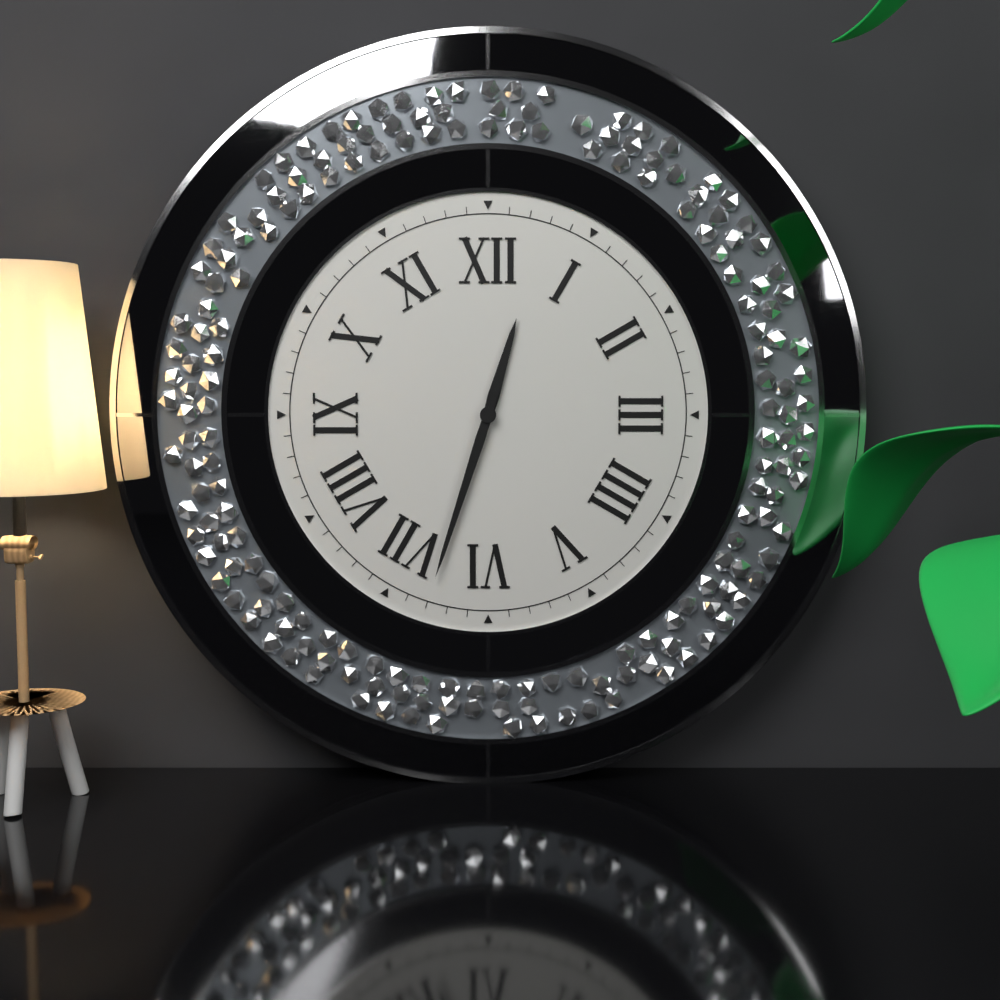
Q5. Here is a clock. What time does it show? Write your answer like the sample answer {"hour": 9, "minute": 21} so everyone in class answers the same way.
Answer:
{"hour": 12, "minute": 33}
